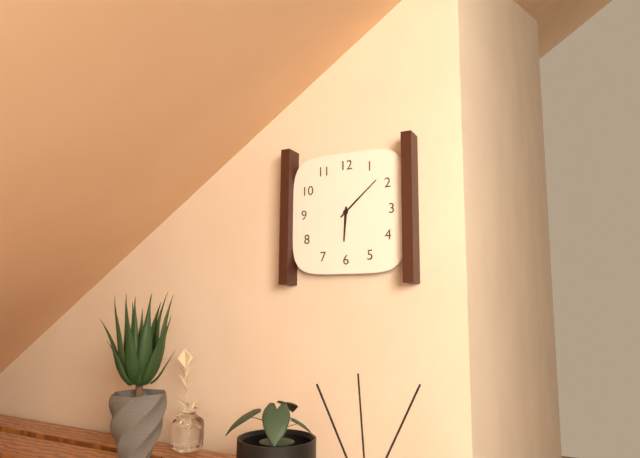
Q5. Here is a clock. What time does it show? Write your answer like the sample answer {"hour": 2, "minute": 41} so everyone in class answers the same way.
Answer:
{"hour": 6, "minute": 8}
